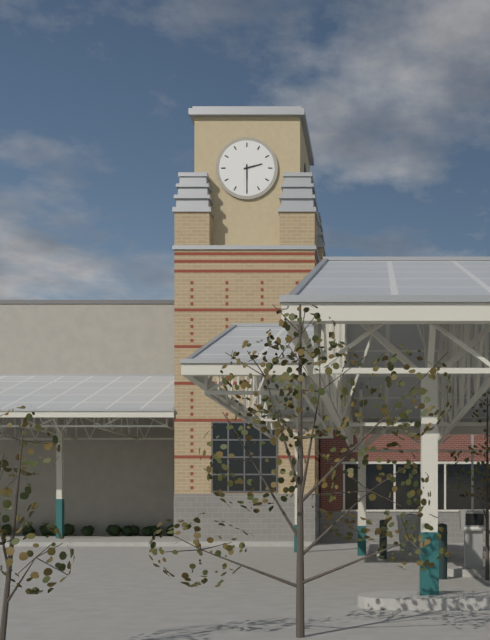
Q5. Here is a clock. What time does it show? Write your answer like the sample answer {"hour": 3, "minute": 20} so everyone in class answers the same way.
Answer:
{"hour": 2, "minute": 30}
